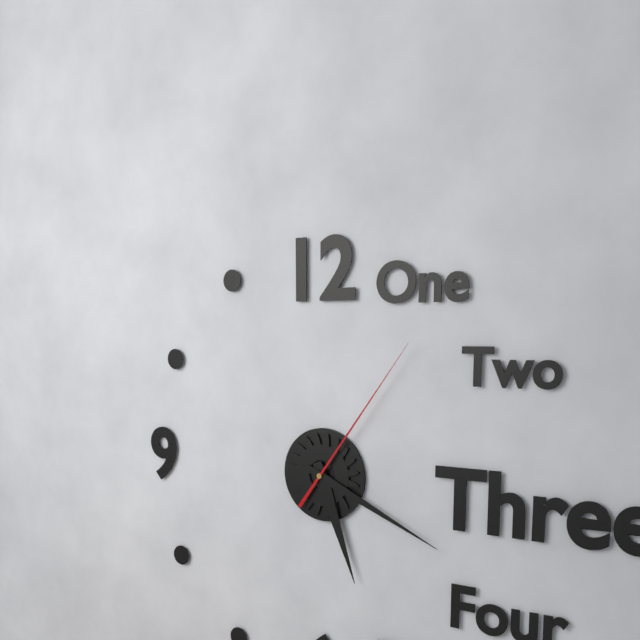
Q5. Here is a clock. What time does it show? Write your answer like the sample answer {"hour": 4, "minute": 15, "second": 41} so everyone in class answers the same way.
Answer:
{"hour": 5, "minute": 19, "second": 6}
